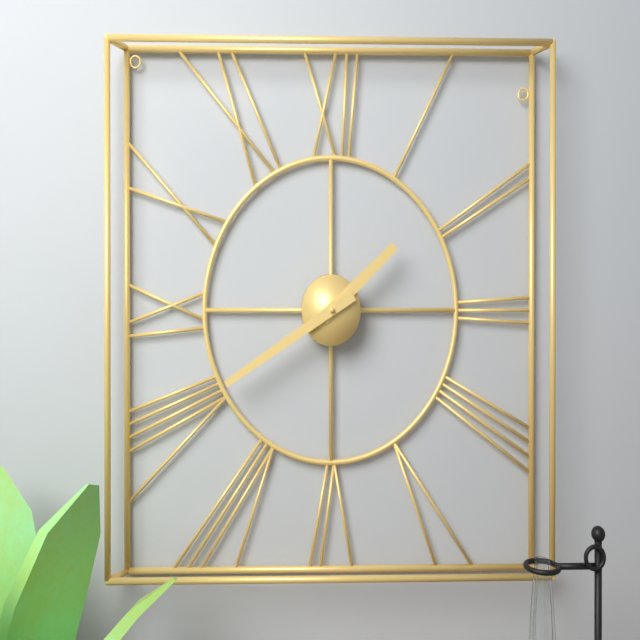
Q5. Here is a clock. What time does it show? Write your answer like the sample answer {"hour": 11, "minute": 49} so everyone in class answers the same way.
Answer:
{"hour": 1, "minute": 40}
